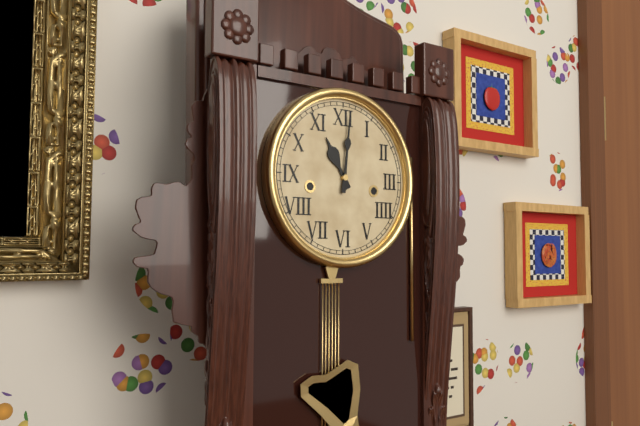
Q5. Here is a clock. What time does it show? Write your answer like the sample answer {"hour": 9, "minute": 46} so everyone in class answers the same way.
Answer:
{"hour": 11, "minute": 1}
